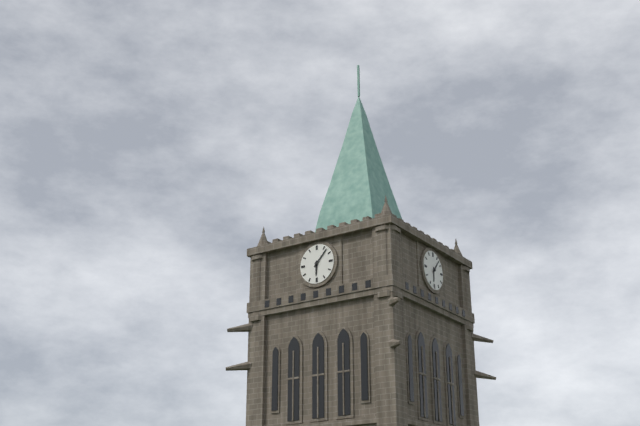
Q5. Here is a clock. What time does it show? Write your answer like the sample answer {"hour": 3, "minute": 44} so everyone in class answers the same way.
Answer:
{"hour": 6, "minute": 7}
